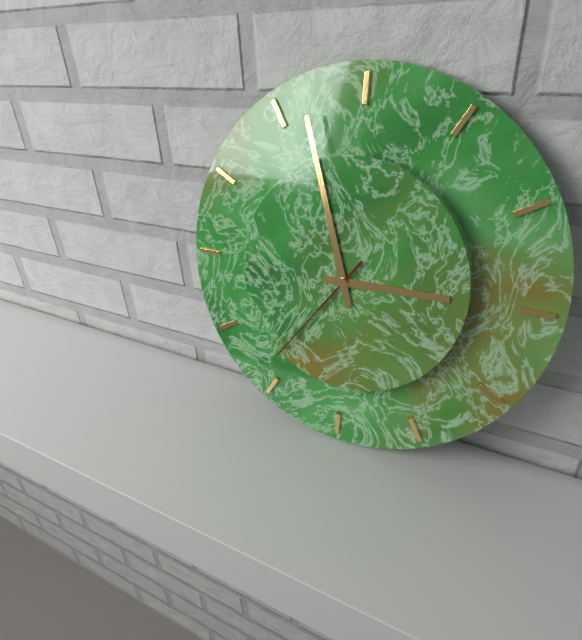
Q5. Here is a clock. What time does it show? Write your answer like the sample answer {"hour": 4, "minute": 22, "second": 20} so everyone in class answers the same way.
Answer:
{"hour": 2, "minute": 57, "second": 36}
